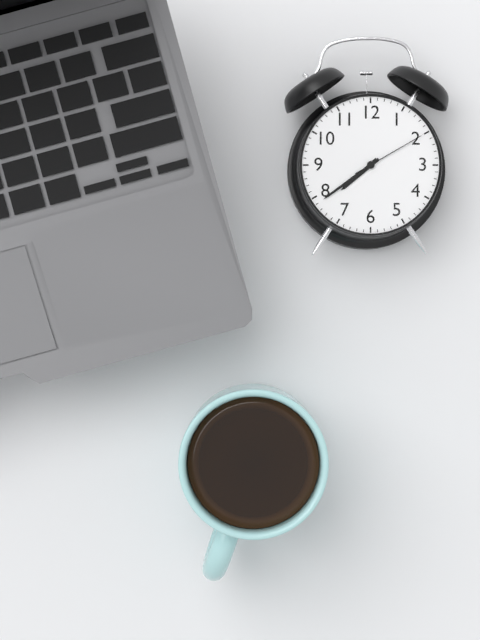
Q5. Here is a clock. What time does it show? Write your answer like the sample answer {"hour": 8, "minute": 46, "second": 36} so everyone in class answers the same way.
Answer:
{"hour": 7, "minute": 39, "second": 10}
